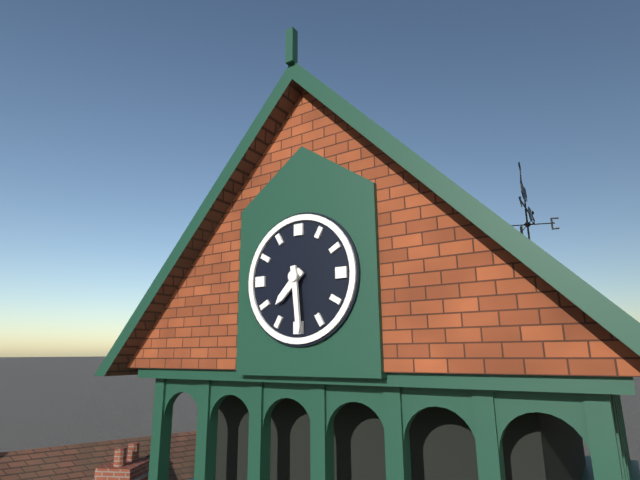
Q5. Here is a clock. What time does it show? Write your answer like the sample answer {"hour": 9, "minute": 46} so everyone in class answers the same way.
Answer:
{"hour": 7, "minute": 29}
